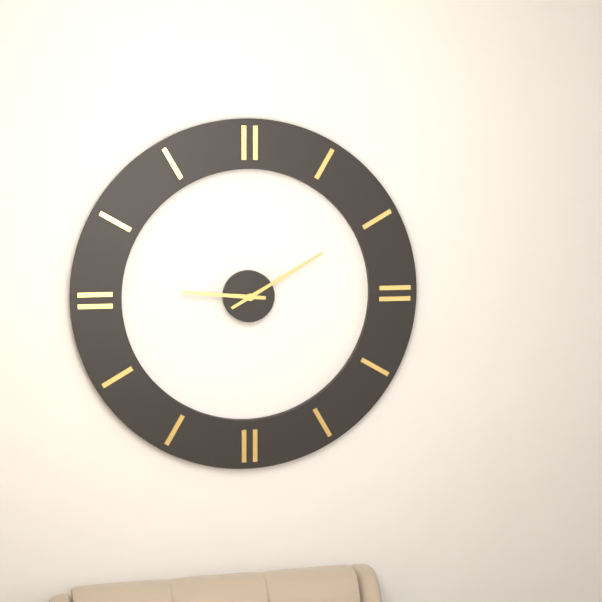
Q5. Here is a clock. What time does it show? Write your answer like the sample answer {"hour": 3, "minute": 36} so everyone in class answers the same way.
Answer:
{"hour": 9, "minute": 10}
